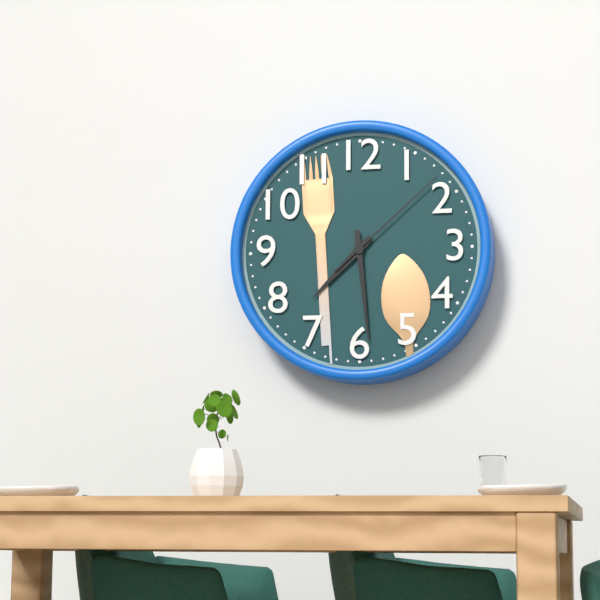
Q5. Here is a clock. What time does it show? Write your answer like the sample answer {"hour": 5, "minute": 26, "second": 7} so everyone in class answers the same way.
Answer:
{"hour": 7, "minute": 29, "second": 8}
